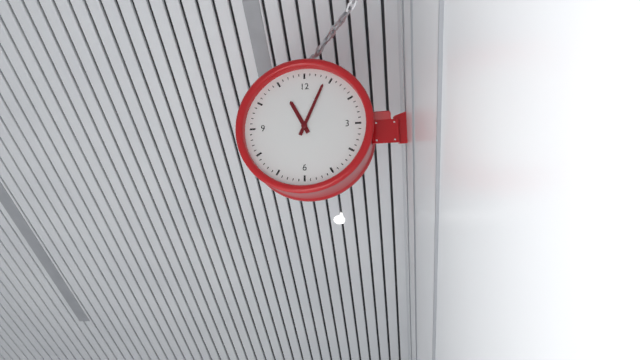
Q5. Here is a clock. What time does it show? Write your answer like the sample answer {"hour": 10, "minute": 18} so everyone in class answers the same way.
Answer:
{"hour": 11, "minute": 4}
